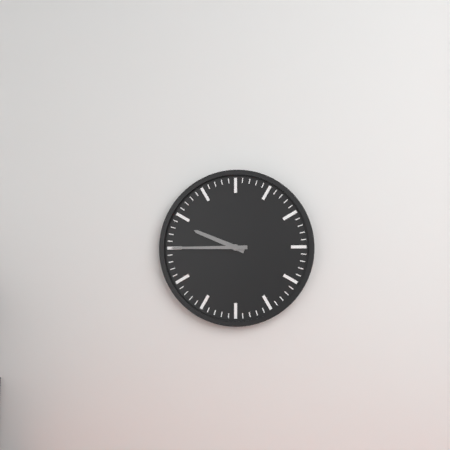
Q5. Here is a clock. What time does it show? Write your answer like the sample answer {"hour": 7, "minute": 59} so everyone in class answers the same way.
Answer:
{"hour": 9, "minute": 45}
